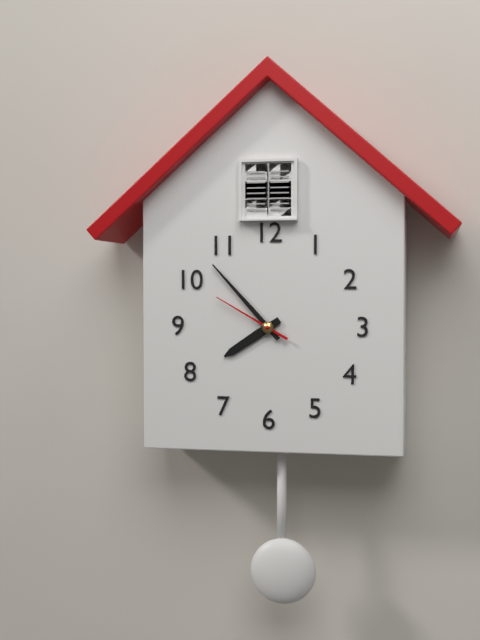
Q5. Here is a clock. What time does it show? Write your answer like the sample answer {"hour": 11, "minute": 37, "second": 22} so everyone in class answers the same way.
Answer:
{"hour": 7, "minute": 53, "second": 50}
